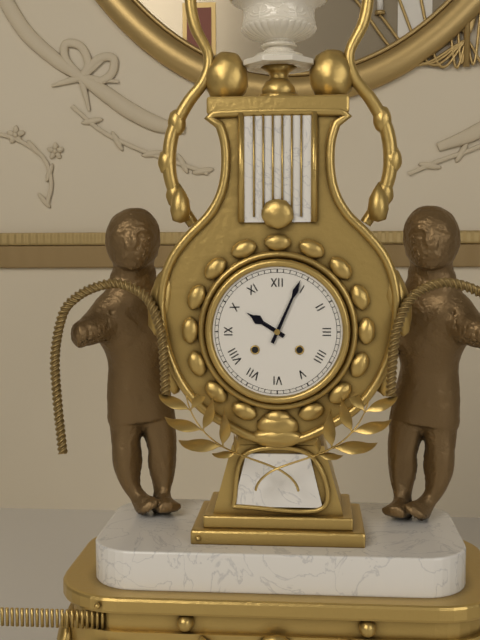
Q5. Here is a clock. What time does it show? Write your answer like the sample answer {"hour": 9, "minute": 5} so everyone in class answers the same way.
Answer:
{"hour": 10, "minute": 4}
